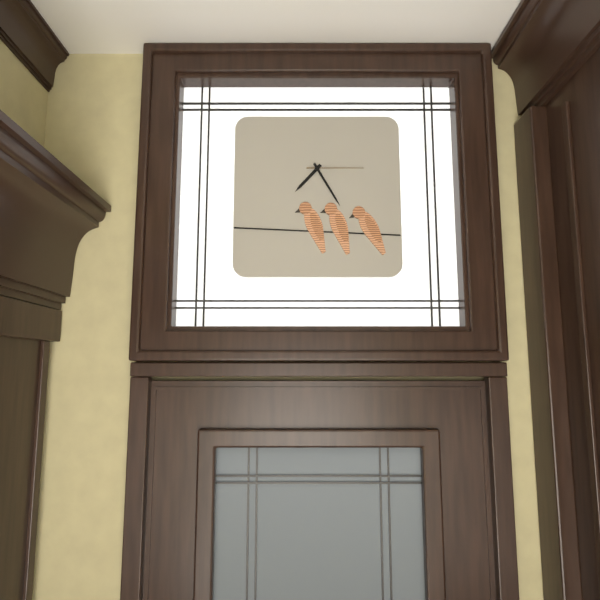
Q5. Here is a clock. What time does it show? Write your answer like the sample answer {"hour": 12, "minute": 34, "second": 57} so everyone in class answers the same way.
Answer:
{"hour": 7, "minute": 25, "second": 15}
